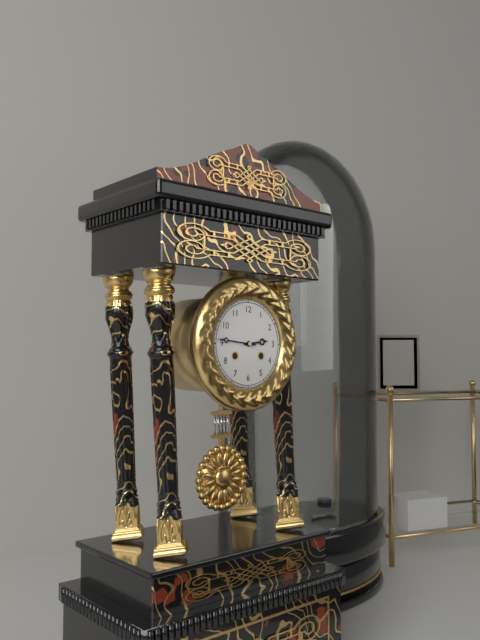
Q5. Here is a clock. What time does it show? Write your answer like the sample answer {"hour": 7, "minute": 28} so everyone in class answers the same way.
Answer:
{"hour": 2, "minute": 46}
